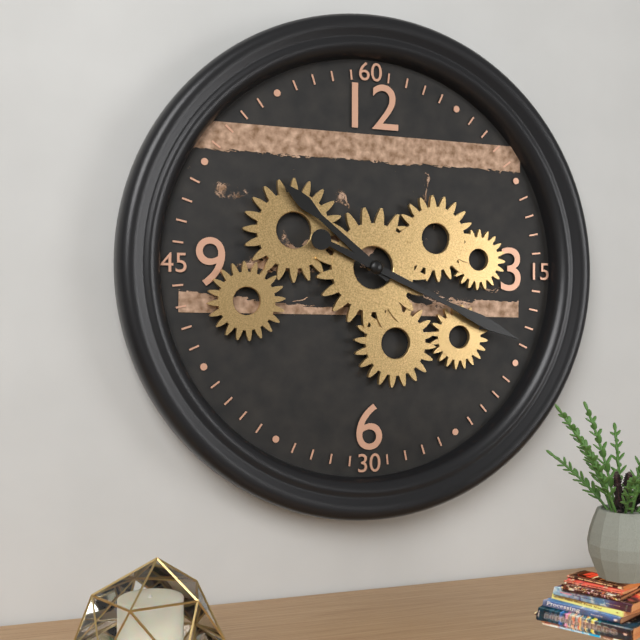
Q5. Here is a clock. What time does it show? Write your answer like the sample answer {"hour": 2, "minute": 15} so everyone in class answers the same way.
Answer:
{"hour": 10, "minute": 19}
